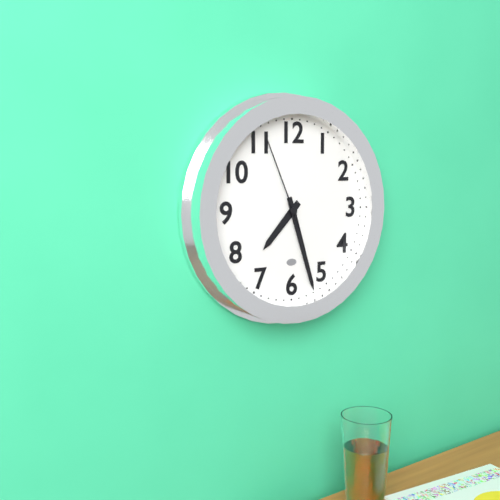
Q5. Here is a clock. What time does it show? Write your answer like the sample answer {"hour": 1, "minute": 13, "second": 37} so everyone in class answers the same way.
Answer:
{"hour": 7, "minute": 27, "second": 56}
